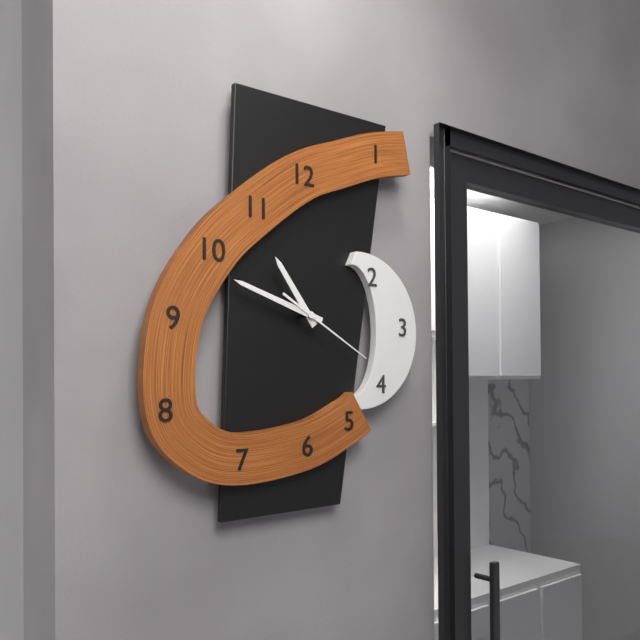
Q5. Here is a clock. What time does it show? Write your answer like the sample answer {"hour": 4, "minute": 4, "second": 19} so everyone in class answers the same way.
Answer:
{"hour": 10, "minute": 48, "second": 20}
